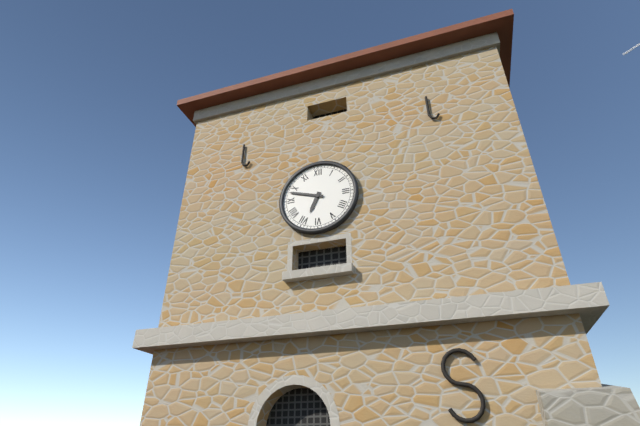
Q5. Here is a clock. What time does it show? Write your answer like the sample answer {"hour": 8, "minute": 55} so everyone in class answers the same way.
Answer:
{"hour": 6, "minute": 48}
